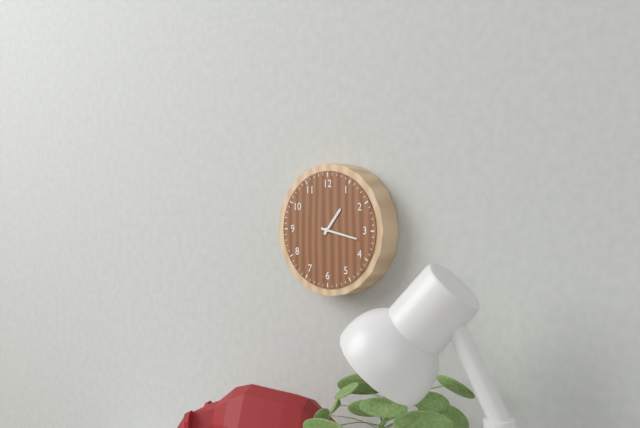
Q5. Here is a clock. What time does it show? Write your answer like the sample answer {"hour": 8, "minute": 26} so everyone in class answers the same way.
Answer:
{"hour": 1, "minute": 17}
